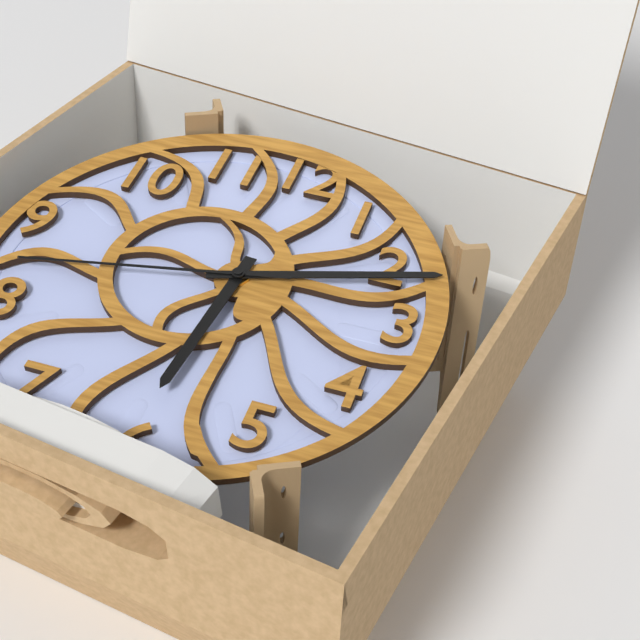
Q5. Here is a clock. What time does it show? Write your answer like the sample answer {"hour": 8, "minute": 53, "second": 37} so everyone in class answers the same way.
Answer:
{"hour": 6, "minute": 12, "second": 43}
